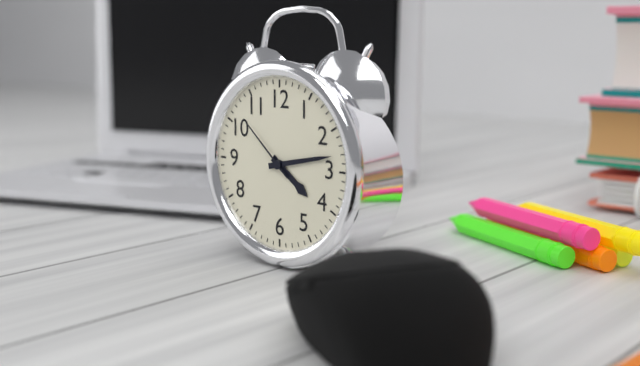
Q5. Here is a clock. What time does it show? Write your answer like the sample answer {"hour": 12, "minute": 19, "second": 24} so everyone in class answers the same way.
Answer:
{"hour": 4, "minute": 13, "second": 52}
